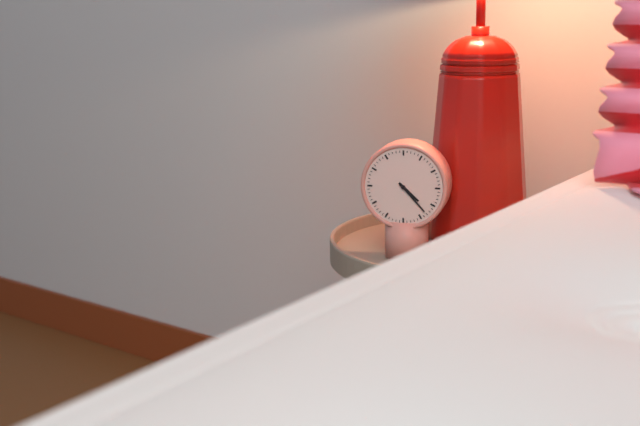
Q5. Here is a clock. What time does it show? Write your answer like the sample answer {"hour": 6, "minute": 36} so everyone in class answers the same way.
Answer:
{"hour": 4, "minute": 23}
